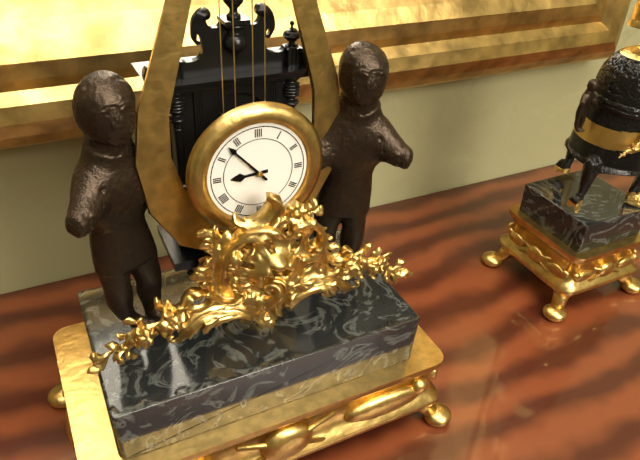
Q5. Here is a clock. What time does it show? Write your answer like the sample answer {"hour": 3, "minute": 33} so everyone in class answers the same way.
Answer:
{"hour": 8, "minute": 53}
